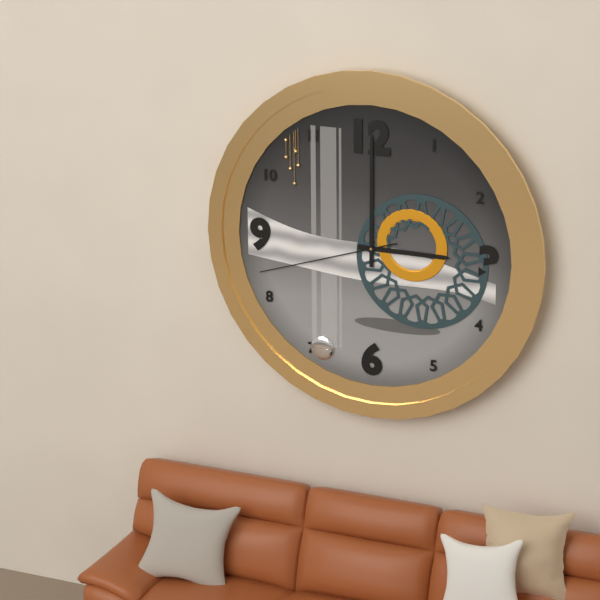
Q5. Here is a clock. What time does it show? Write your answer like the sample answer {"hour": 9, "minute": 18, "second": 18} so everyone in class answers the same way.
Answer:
{"hour": 3, "minute": 0, "second": 42}
